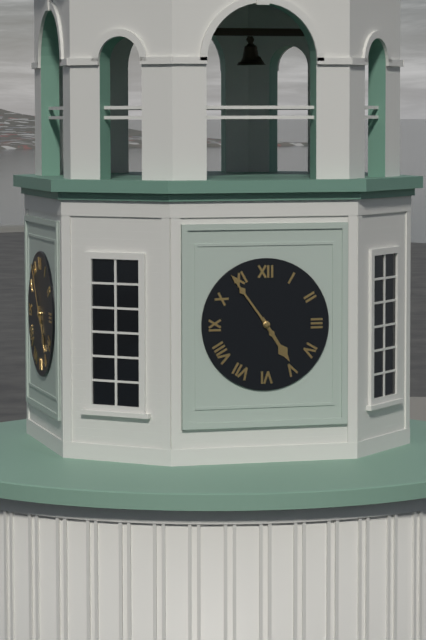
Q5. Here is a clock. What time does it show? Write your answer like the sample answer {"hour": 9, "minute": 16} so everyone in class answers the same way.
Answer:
{"hour": 4, "minute": 54}
